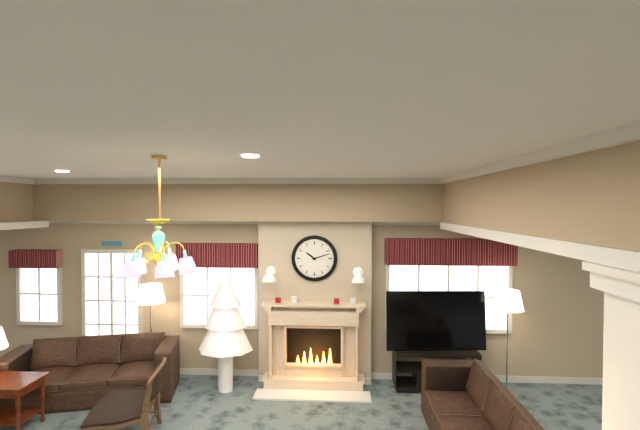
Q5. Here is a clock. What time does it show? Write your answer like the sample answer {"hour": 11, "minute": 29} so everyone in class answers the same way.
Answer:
{"hour": 10, "minute": 12}
